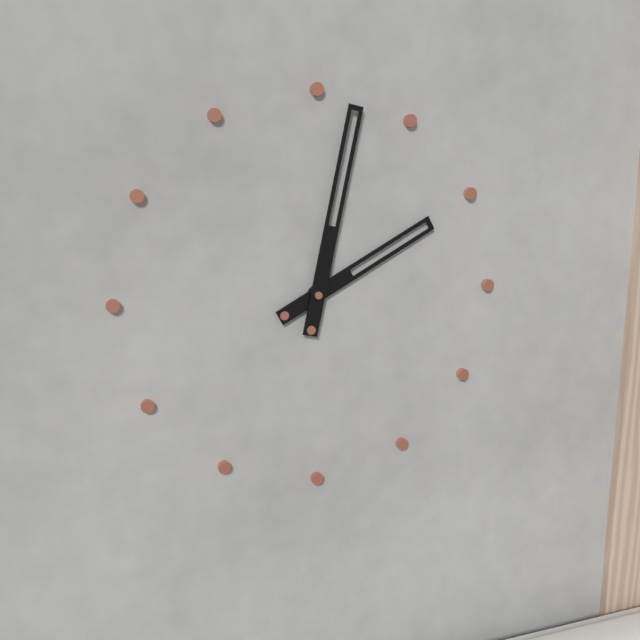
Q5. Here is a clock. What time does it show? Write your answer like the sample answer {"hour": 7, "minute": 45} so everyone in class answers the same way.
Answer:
{"hour": 2, "minute": 2}
